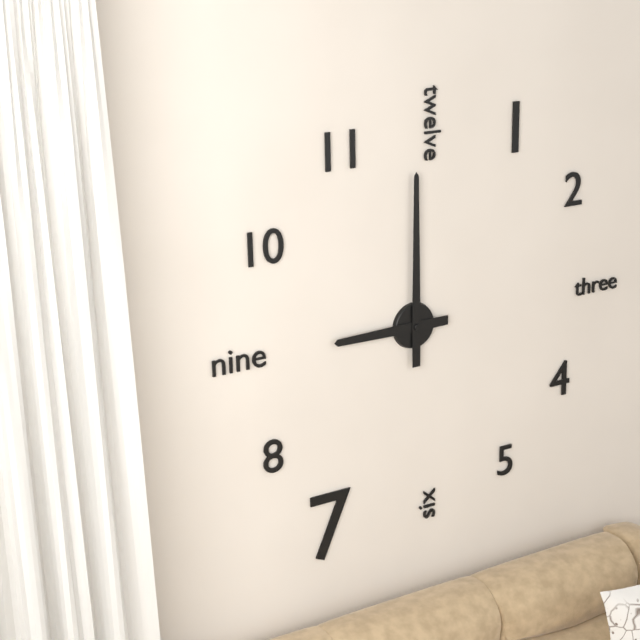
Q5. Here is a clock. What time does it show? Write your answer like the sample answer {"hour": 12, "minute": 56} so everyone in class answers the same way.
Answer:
{"hour": 9, "minute": 0}
